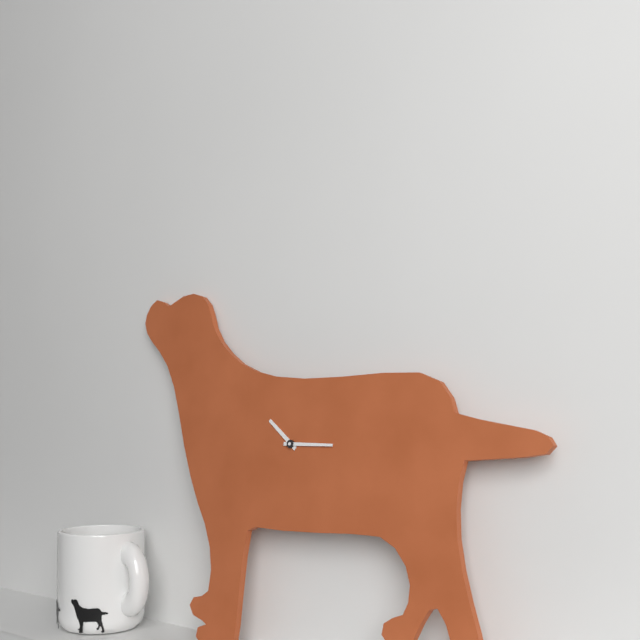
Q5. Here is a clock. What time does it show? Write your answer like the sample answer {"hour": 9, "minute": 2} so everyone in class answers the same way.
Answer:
{"hour": 10, "minute": 15}
